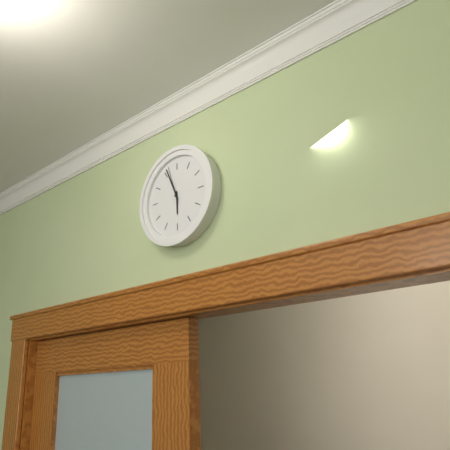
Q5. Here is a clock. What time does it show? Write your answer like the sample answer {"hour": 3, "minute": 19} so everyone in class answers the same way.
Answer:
{"hour": 5, "minute": 56}
